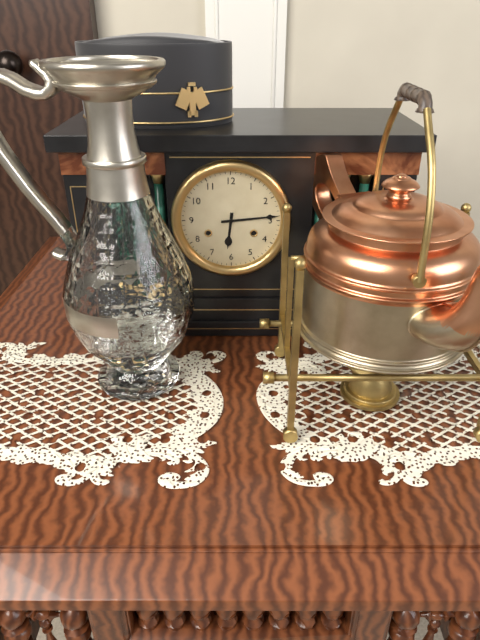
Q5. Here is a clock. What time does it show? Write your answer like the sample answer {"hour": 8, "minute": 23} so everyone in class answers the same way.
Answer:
{"hour": 6, "minute": 14}
